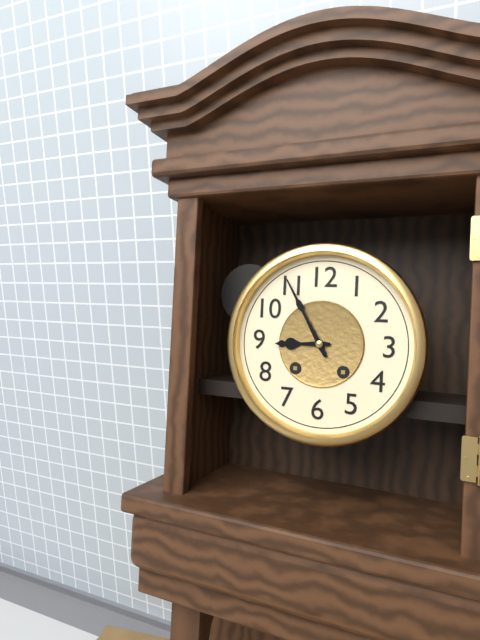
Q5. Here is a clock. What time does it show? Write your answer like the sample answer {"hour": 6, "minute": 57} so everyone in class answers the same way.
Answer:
{"hour": 8, "minute": 55}
